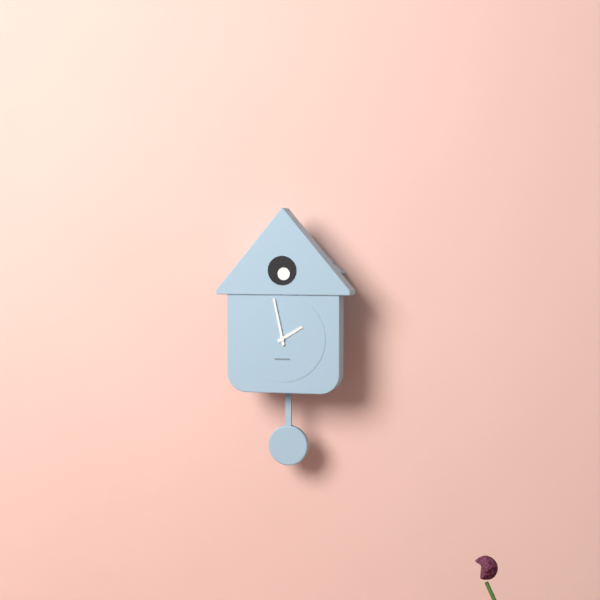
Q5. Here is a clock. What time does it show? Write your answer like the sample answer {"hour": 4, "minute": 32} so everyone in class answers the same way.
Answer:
{"hour": 1, "minute": 58}
